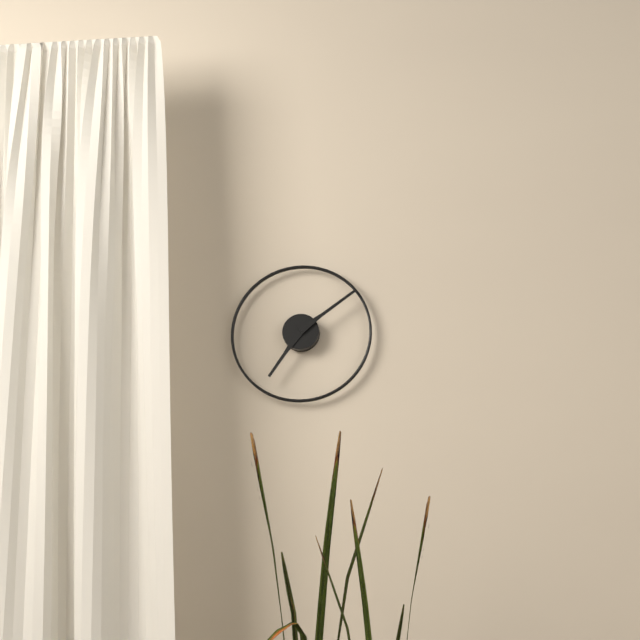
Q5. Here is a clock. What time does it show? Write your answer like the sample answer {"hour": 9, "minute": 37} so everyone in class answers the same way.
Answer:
{"hour": 7, "minute": 9}
